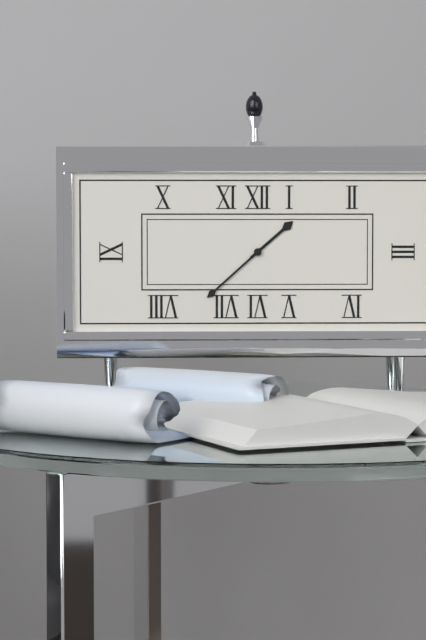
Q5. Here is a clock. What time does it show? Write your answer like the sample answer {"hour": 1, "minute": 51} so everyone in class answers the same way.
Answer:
{"hour": 1, "minute": 38}
